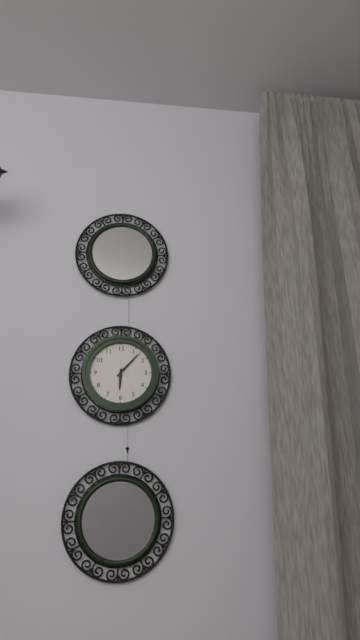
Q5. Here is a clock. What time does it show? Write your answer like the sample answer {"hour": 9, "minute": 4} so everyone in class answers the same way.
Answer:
{"hour": 6, "minute": 7}
